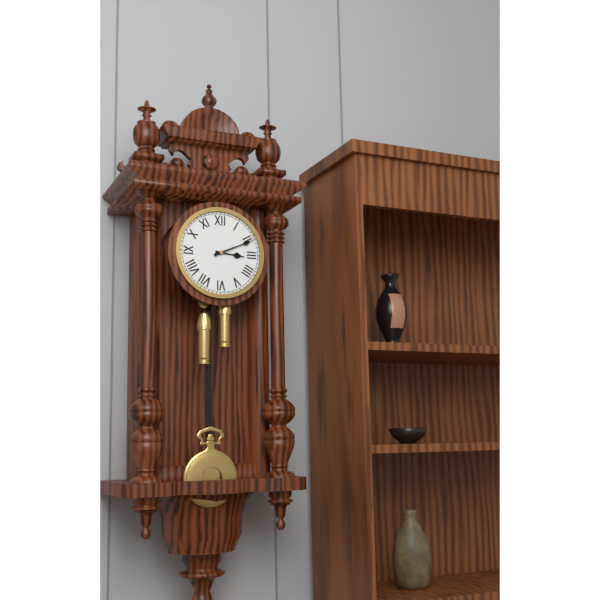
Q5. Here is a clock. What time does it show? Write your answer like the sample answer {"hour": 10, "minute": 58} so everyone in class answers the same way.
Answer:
{"hour": 3, "minute": 11}
